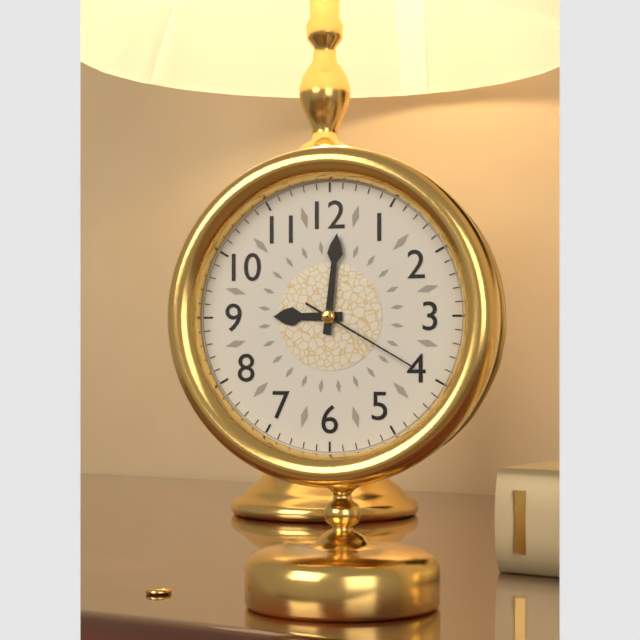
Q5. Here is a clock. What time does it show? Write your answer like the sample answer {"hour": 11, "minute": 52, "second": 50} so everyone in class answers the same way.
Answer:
{"hour": 9, "minute": 1, "second": 20}
